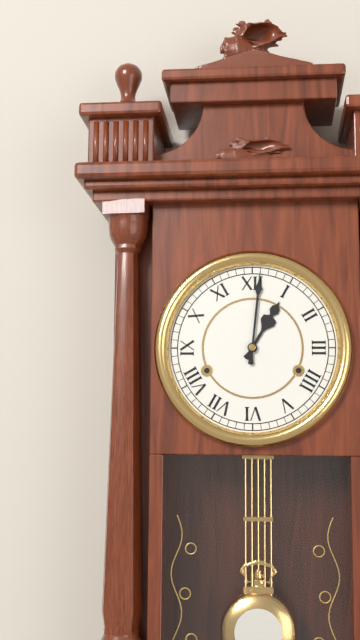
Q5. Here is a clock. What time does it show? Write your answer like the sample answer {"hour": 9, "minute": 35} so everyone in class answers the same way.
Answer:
{"hour": 1, "minute": 1}
